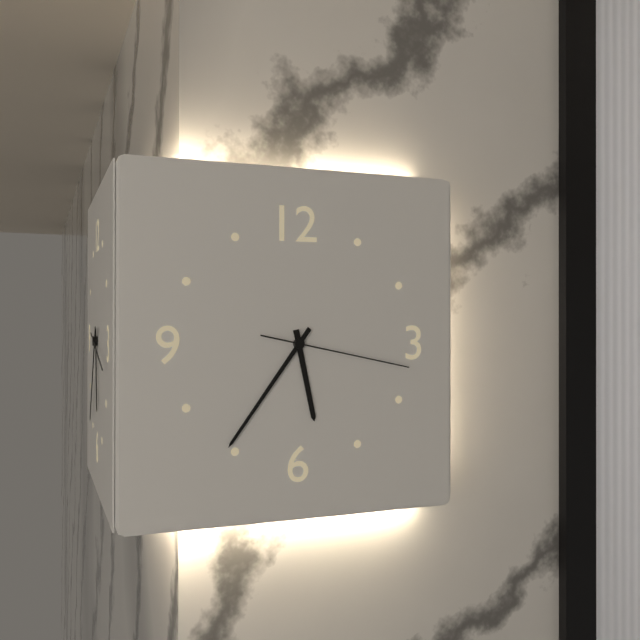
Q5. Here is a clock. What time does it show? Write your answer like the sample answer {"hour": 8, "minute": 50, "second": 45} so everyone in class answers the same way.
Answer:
{"hour": 5, "minute": 36, "second": 17}
